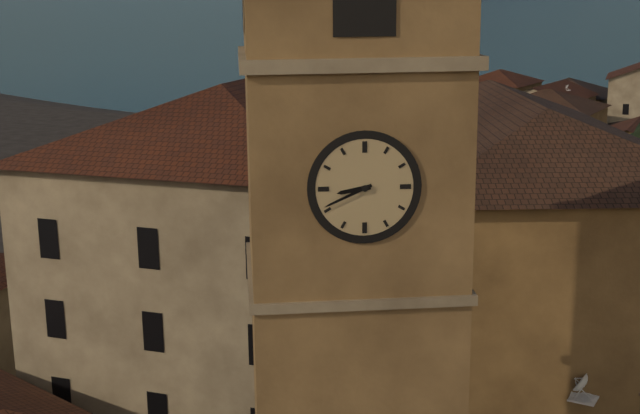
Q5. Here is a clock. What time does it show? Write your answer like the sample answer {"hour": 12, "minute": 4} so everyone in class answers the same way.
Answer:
{"hour": 8, "minute": 41}
